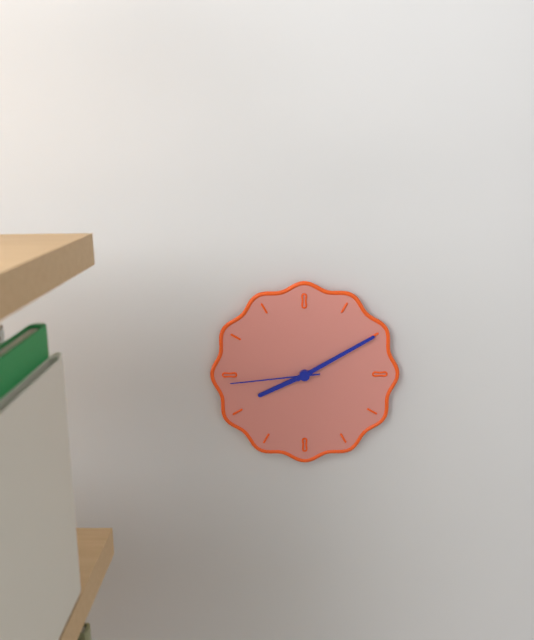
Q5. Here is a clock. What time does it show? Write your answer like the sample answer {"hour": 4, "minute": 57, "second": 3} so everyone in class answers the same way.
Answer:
{"hour": 8, "minute": 10, "second": 44}
